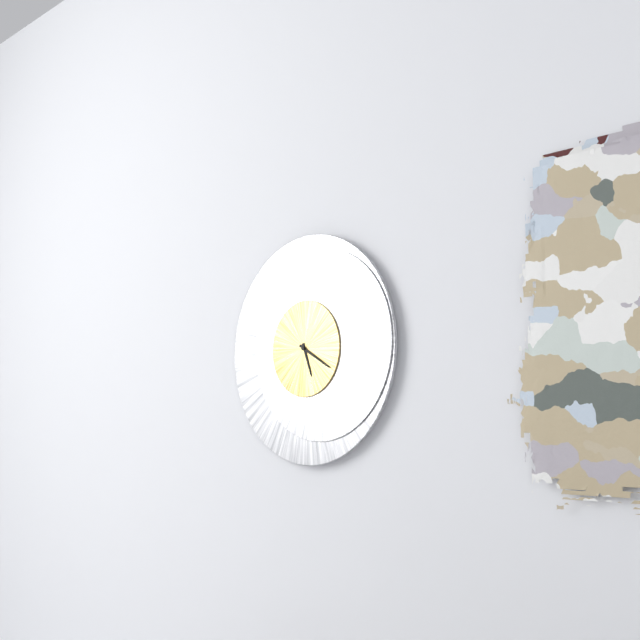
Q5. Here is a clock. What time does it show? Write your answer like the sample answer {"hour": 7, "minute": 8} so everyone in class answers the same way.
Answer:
{"hour": 5, "minute": 20}
